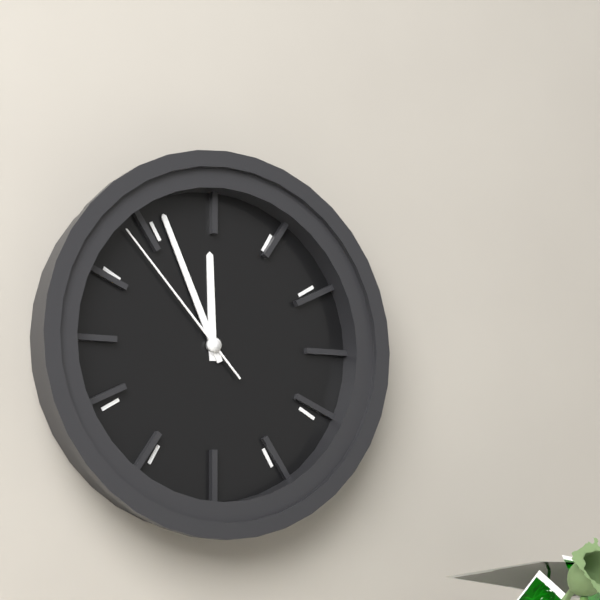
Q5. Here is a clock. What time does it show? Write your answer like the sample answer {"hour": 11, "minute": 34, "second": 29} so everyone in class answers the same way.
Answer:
{"hour": 11, "minute": 56, "second": 53}
